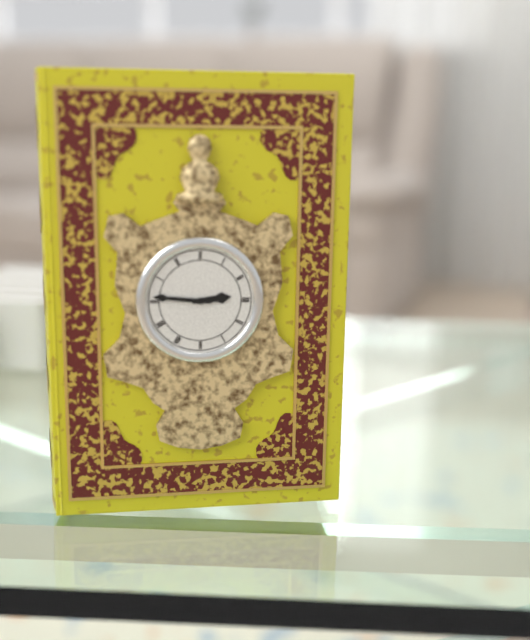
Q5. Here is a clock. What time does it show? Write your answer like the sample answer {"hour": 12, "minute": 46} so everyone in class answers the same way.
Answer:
{"hour": 2, "minute": 46}
